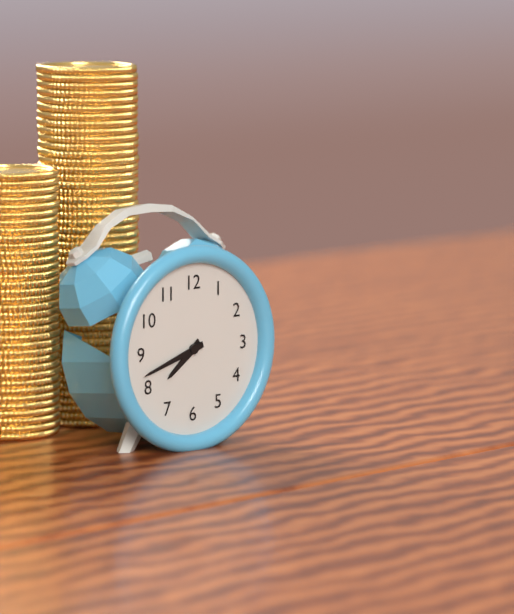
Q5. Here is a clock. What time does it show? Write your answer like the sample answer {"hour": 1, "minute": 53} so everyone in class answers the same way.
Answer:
{"hour": 7, "minute": 42}
